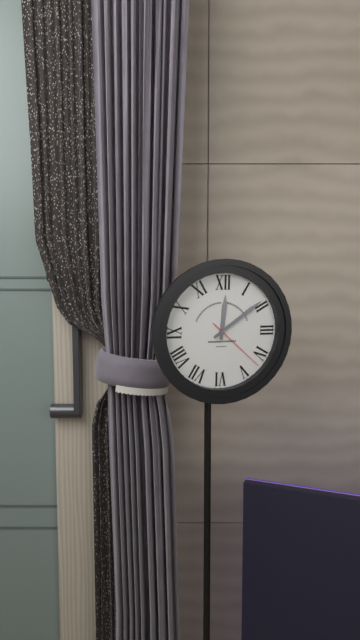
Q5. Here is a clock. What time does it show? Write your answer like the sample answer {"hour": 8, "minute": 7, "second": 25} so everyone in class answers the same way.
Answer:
{"hour": 12, "minute": 9, "second": 22}
